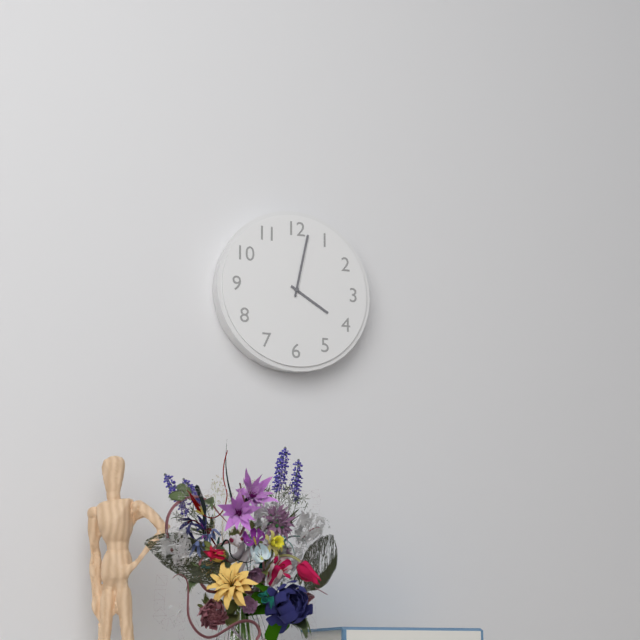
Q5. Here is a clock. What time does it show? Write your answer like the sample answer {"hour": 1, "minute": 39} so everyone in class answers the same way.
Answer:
{"hour": 4, "minute": 2}
